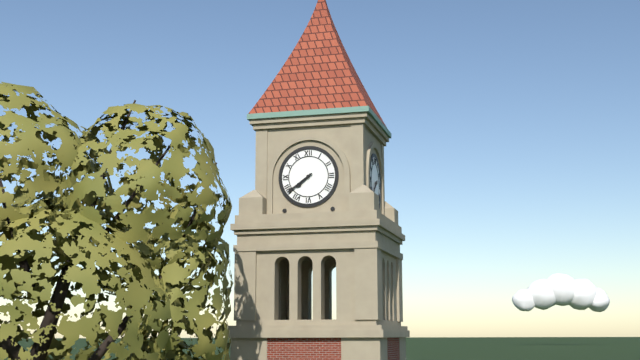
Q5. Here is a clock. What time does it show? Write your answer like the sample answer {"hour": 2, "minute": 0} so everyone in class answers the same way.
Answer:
{"hour": 7, "minute": 39}
